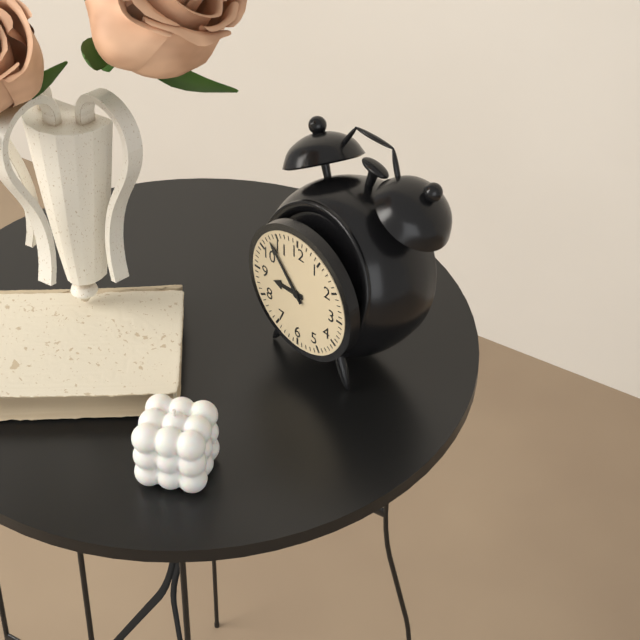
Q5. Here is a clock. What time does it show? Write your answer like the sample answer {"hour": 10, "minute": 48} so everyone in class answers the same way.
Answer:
{"hour": 8, "minute": 53}
